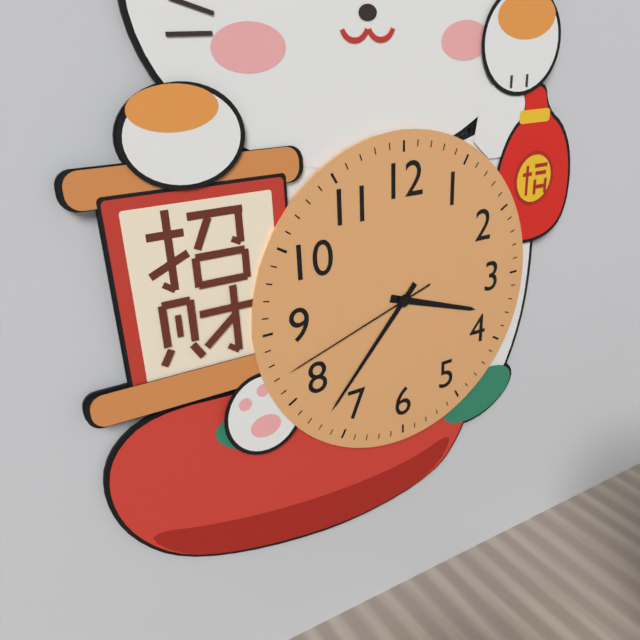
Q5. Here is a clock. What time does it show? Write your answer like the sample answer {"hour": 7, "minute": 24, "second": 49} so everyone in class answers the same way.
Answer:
{"hour": 3, "minute": 37, "second": 42}
